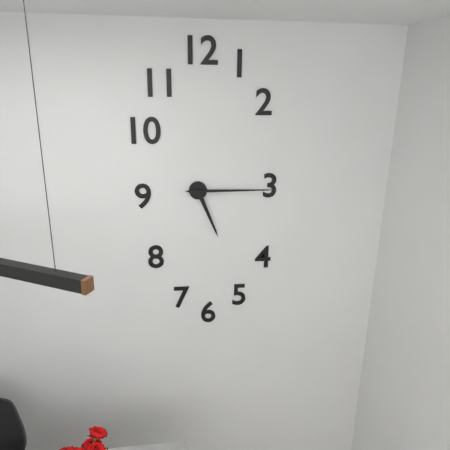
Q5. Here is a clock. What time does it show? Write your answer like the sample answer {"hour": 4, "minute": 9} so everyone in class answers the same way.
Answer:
{"hour": 5, "minute": 15}
